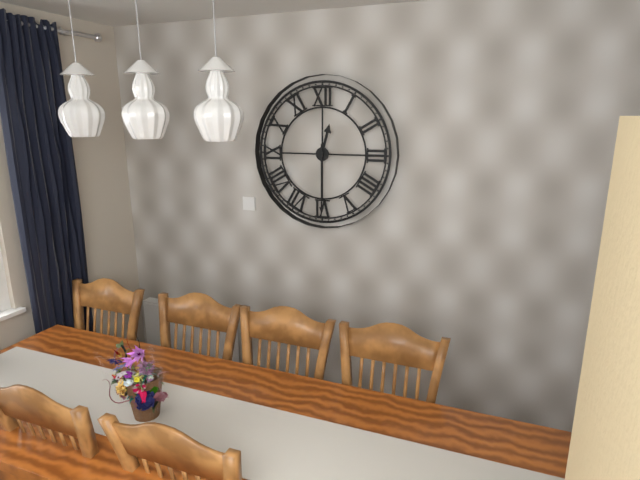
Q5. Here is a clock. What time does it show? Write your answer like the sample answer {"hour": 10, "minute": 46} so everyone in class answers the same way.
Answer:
{"hour": 12, "minute": 30}
